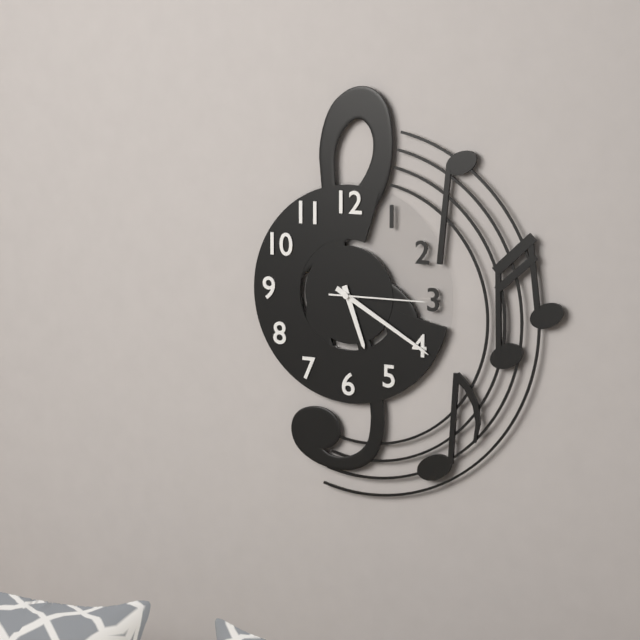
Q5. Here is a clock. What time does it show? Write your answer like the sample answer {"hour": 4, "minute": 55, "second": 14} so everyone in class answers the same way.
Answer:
{"hour": 5, "minute": 20, "second": 15}
